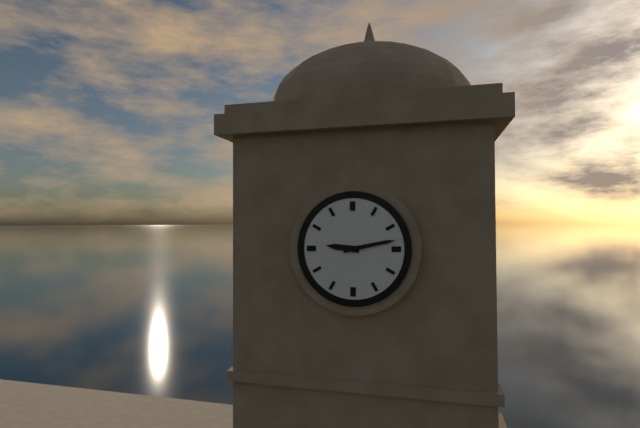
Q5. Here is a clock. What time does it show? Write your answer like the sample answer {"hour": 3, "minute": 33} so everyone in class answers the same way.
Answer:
{"hour": 9, "minute": 13}
